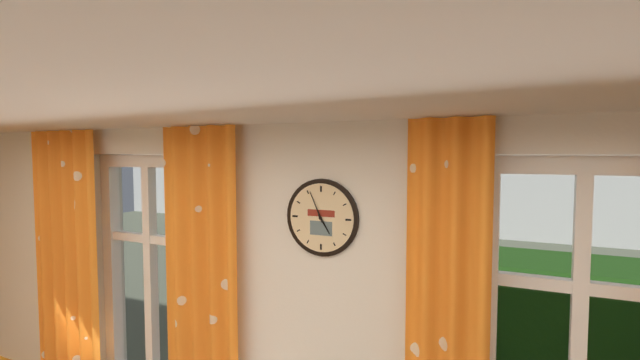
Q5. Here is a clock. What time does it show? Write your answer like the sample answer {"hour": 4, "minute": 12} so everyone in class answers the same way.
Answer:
{"hour": 4, "minute": 56}
